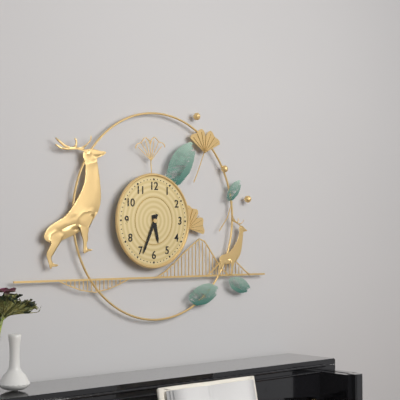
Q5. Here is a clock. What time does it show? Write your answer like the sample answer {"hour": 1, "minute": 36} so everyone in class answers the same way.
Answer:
{"hour": 5, "minute": 34}
